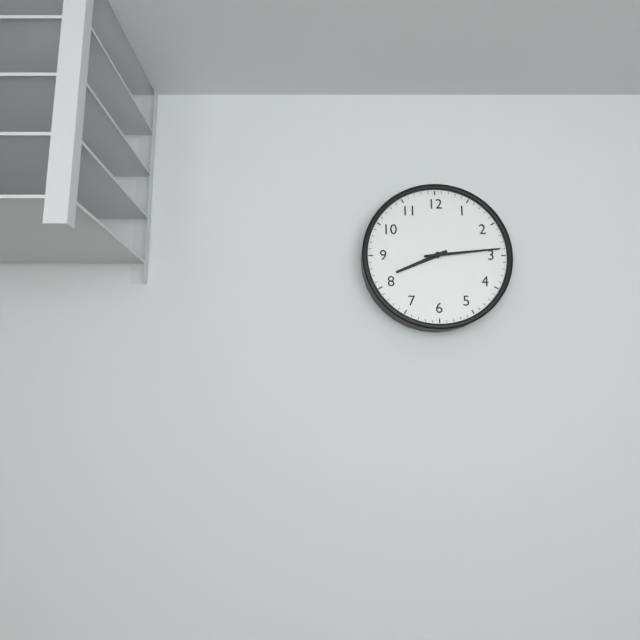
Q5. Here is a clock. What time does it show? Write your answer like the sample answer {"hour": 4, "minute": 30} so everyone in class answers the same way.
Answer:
{"hour": 8, "minute": 14}
